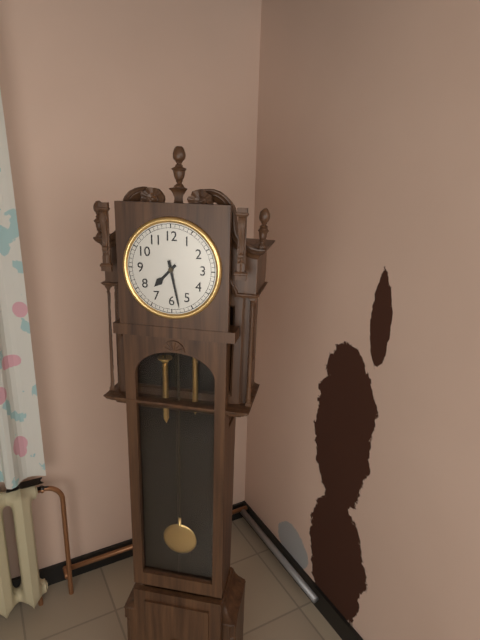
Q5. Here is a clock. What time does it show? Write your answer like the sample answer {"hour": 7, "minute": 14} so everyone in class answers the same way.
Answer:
{"hour": 7, "minute": 28}
